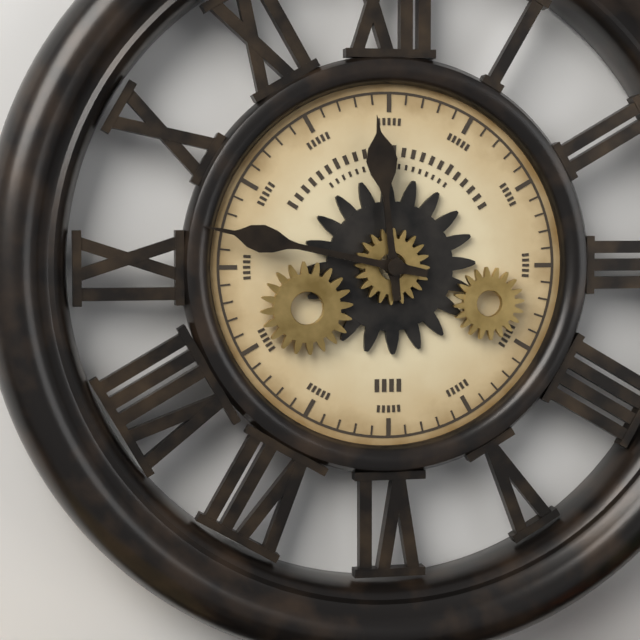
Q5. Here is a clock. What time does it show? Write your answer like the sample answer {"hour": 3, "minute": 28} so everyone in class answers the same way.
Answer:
{"hour": 11, "minute": 47}
